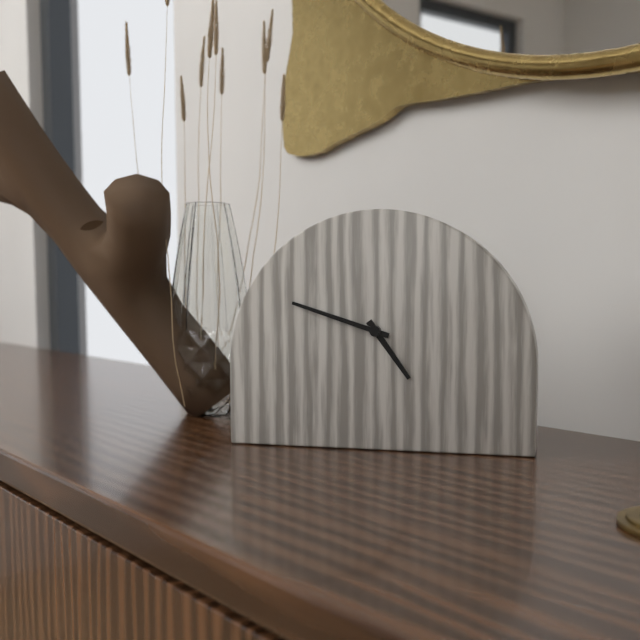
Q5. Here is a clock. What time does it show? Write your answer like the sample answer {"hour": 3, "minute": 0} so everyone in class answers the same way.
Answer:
{"hour": 4, "minute": 48}
